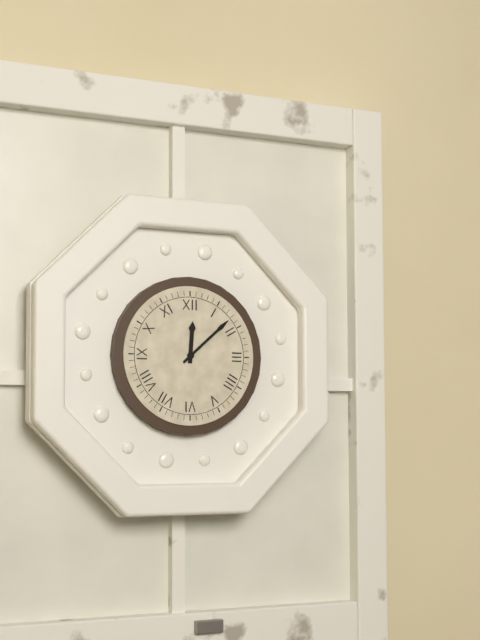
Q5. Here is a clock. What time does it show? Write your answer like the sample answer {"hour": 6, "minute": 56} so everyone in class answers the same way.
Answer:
{"hour": 12, "minute": 8}
